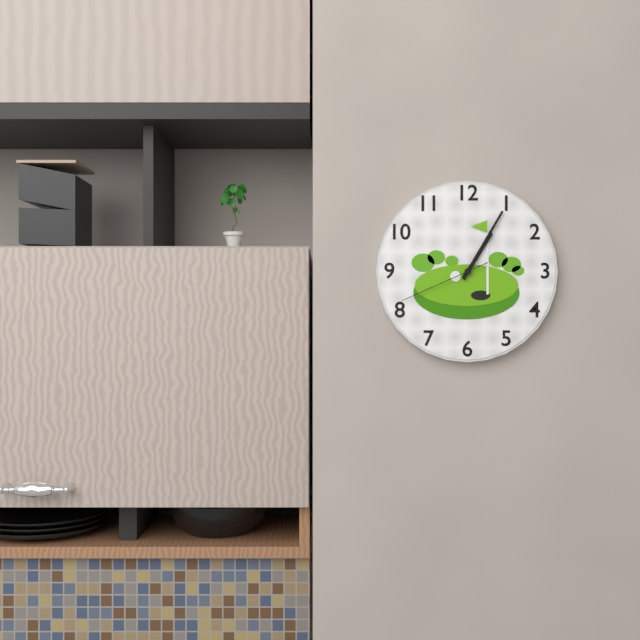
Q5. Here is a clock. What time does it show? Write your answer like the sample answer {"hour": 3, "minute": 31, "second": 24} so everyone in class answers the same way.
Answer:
{"hour": 1, "minute": 5, "second": 41}
